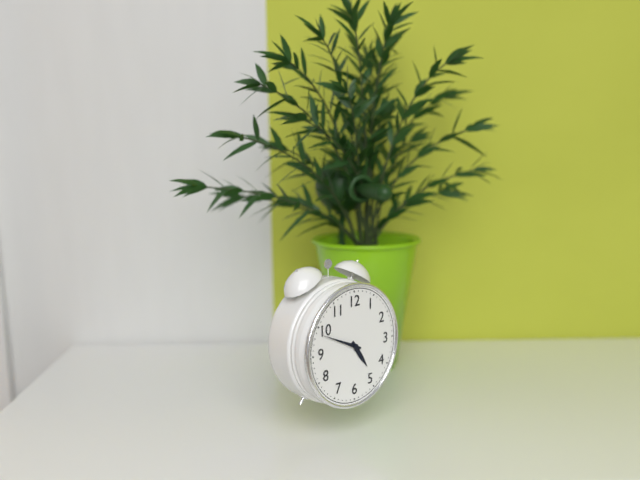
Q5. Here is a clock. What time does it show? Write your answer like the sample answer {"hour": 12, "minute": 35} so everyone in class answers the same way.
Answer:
{"hour": 4, "minute": 49}
